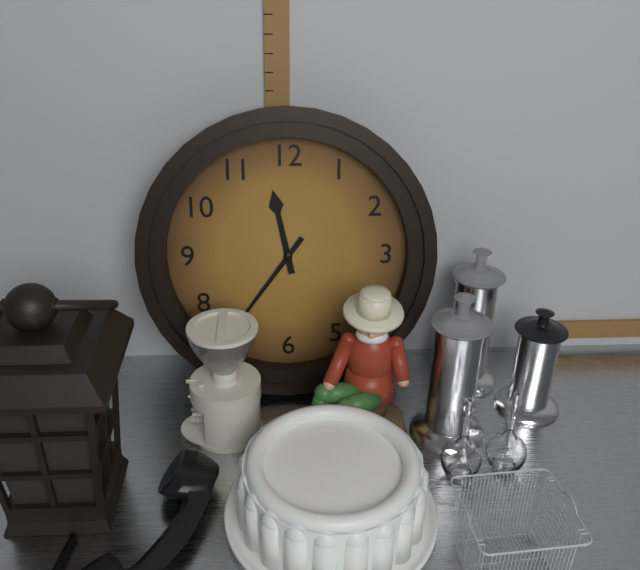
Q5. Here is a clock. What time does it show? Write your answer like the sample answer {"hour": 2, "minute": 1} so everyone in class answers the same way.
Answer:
{"hour": 11, "minute": 36}
